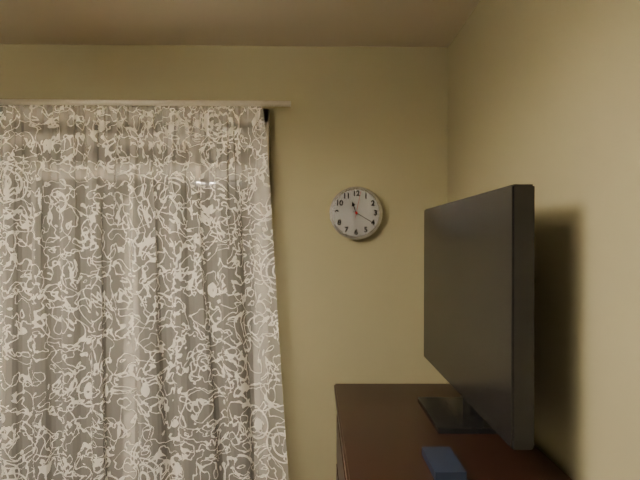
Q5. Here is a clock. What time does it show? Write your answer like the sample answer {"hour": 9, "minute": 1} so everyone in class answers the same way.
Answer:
{"hour": 11, "minute": 20}
